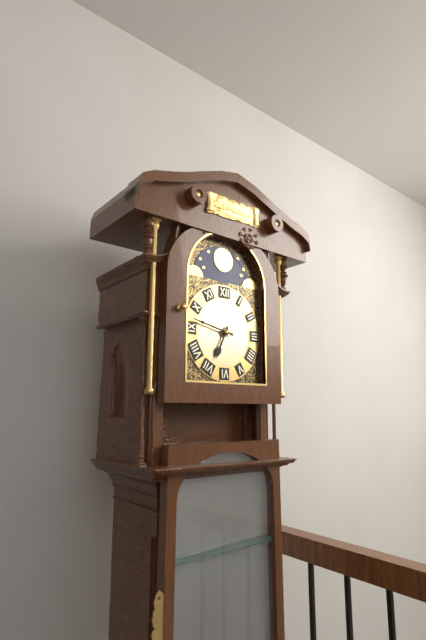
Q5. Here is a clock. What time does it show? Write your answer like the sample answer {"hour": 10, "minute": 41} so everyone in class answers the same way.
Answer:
{"hour": 6, "minute": 47}
